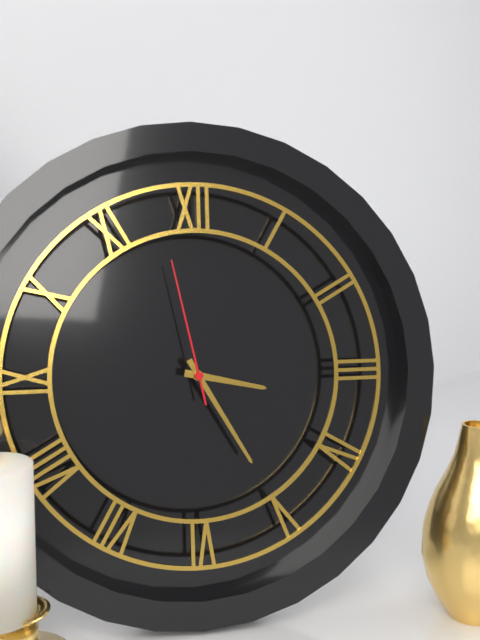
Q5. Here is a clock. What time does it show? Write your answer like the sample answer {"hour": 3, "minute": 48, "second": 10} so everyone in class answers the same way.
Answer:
{"hour": 3, "minute": 25, "second": 58}
